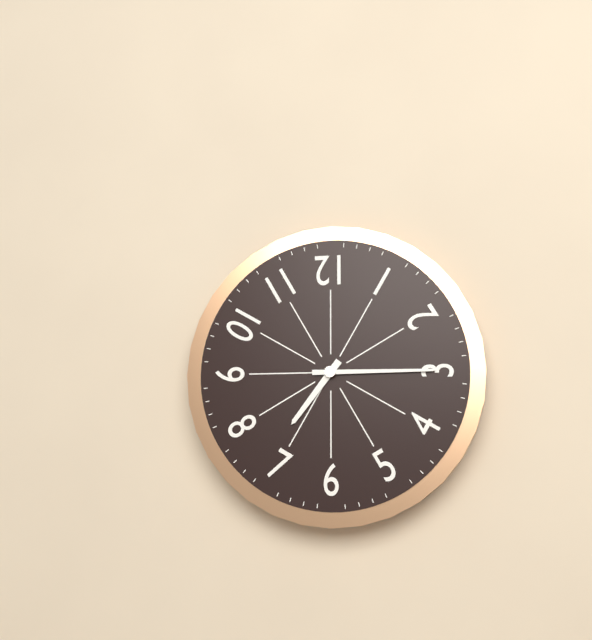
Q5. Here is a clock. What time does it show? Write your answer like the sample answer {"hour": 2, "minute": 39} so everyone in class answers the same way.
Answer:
{"hour": 7, "minute": 15}
